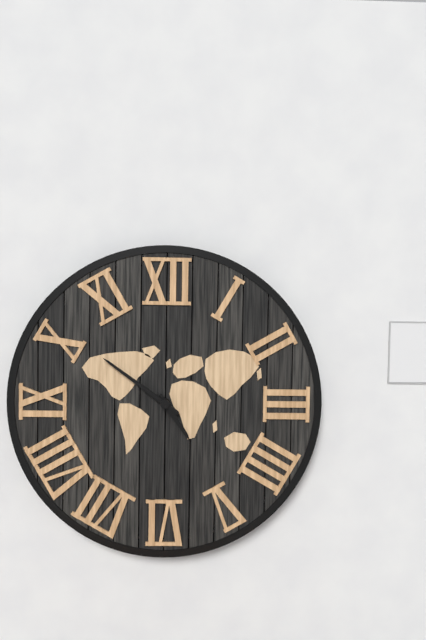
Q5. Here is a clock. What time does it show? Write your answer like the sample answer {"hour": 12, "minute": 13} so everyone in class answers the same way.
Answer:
{"hour": 4, "minute": 51}
